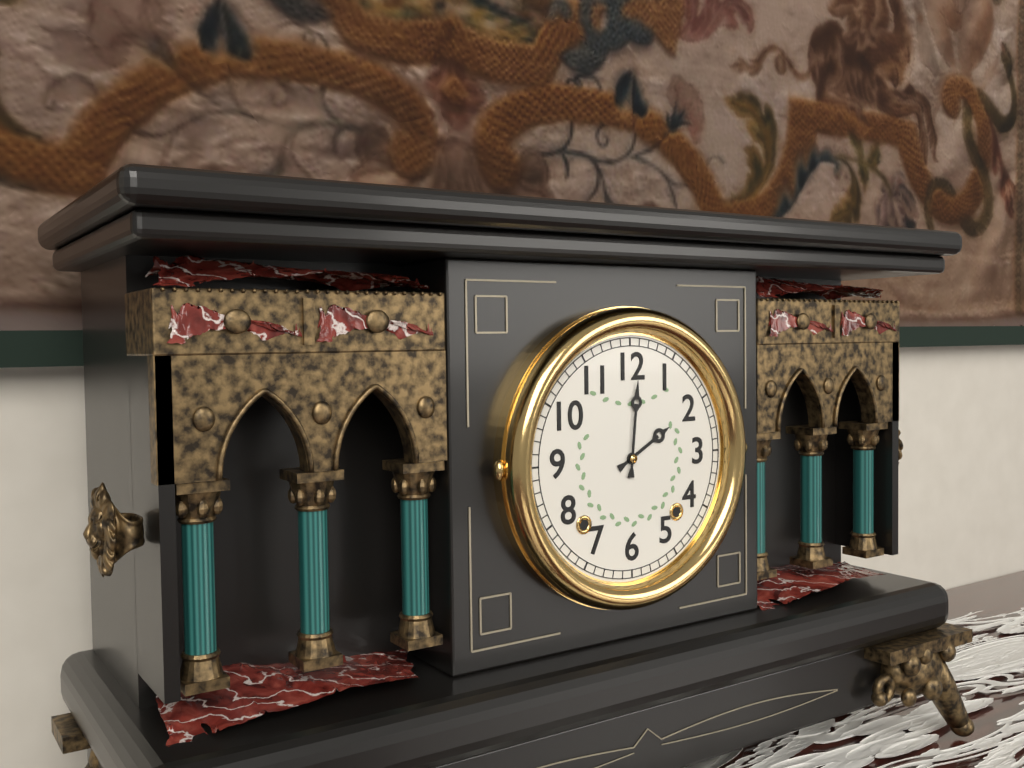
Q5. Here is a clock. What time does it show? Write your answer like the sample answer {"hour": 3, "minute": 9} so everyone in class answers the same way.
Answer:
{"hour": 2, "minute": 1}
